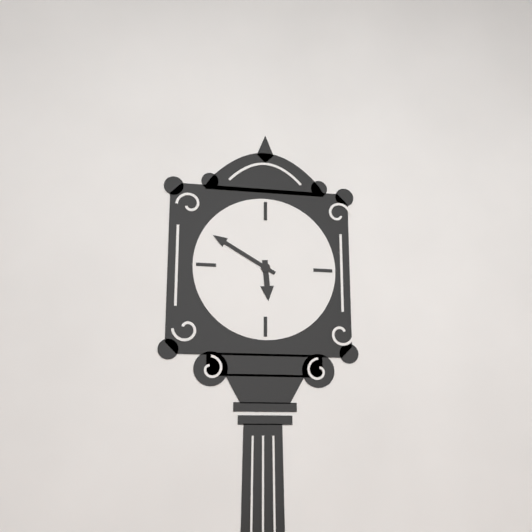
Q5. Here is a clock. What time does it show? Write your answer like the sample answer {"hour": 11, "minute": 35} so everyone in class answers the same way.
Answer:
{"hour": 5, "minute": 50}
